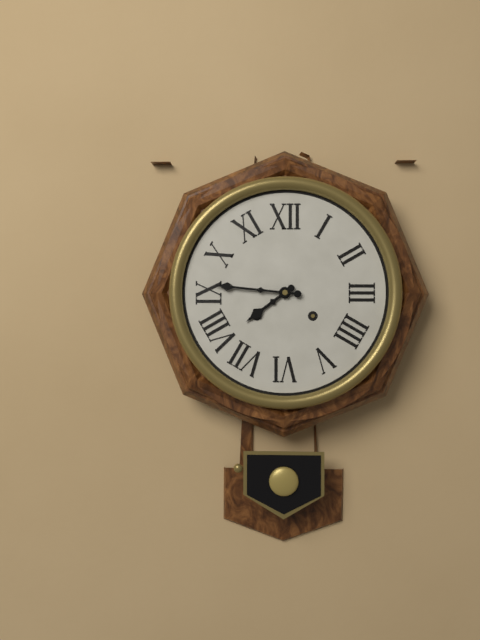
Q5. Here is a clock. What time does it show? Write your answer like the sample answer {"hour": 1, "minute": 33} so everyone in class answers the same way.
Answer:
{"hour": 7, "minute": 46}
